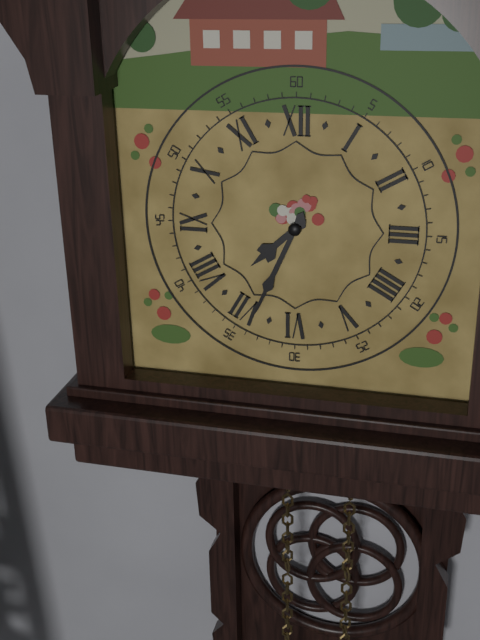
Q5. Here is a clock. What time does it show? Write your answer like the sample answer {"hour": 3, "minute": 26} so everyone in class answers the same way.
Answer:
{"hour": 7, "minute": 34}
